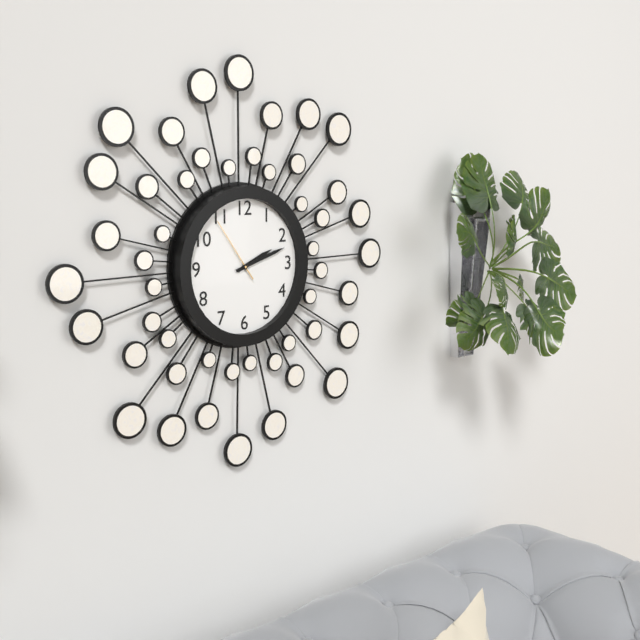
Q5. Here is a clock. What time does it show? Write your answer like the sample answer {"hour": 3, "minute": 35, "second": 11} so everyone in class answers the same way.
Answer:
{"hour": 2, "minute": 12, "second": 54}
